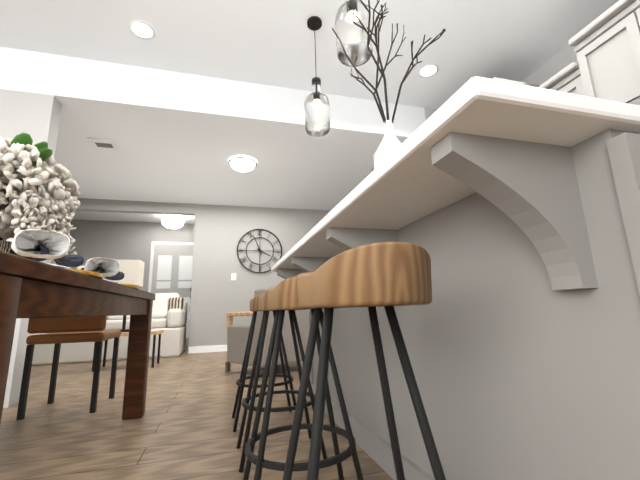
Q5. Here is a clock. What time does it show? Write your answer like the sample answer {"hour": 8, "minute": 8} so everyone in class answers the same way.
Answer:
{"hour": 3, "minute": 56}
